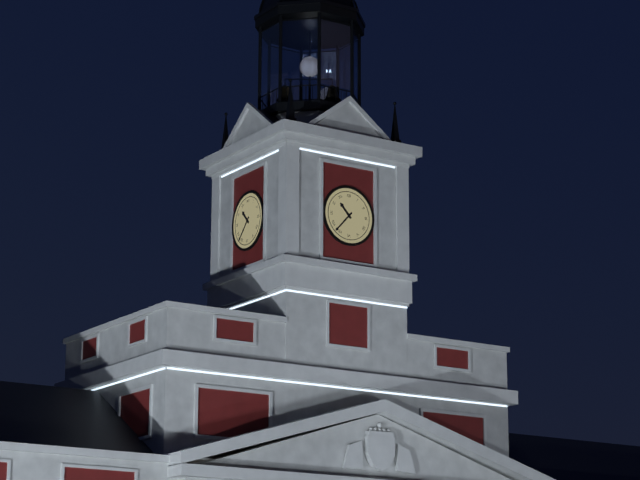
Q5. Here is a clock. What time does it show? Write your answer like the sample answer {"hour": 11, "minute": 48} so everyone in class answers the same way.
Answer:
{"hour": 10, "minute": 37}
